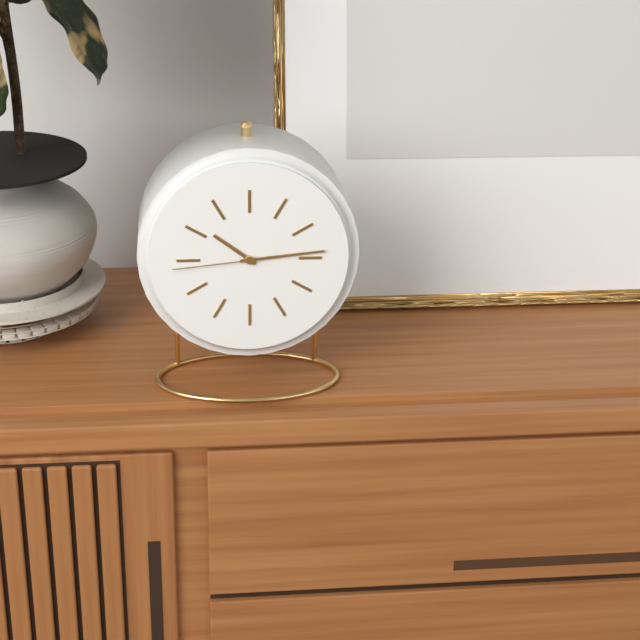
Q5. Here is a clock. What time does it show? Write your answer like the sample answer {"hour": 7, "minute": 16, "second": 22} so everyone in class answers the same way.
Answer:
{"hour": 10, "minute": 14, "second": 44}
